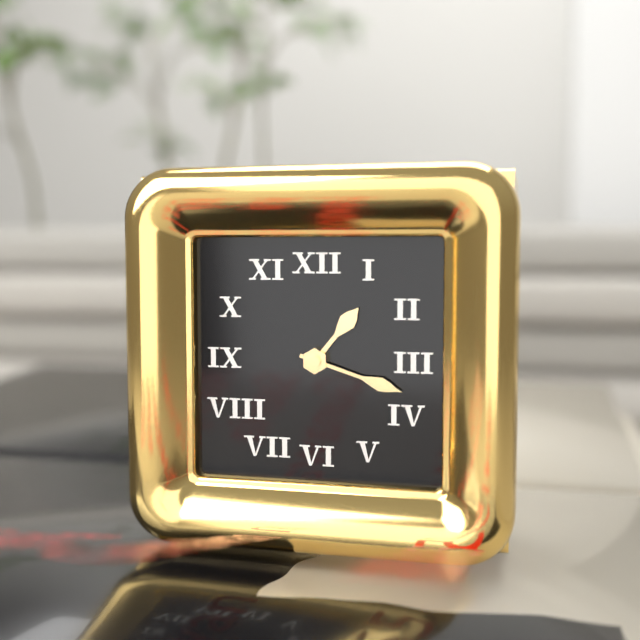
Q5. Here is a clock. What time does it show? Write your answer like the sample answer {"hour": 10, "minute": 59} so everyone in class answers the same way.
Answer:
{"hour": 1, "minute": 18}
